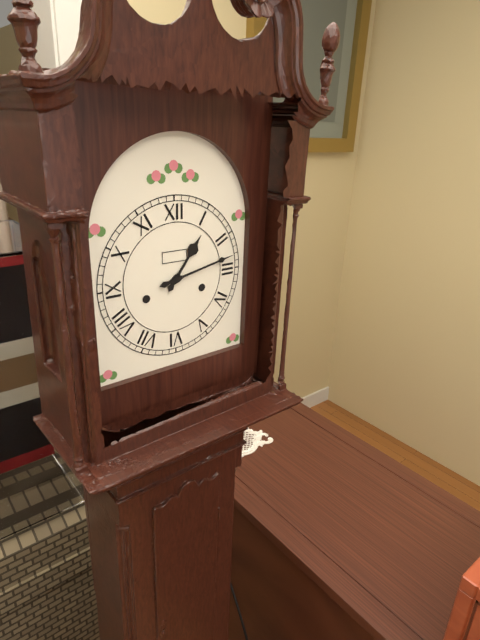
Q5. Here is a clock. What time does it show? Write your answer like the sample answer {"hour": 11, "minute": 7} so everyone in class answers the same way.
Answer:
{"hour": 1, "minute": 13}
